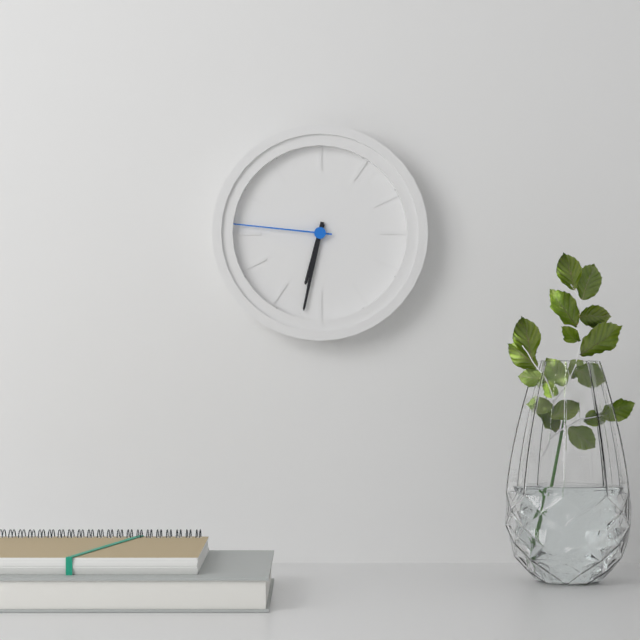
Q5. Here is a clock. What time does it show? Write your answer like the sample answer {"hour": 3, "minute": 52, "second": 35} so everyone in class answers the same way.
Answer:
{"hour": 6, "minute": 32, "second": 46}
